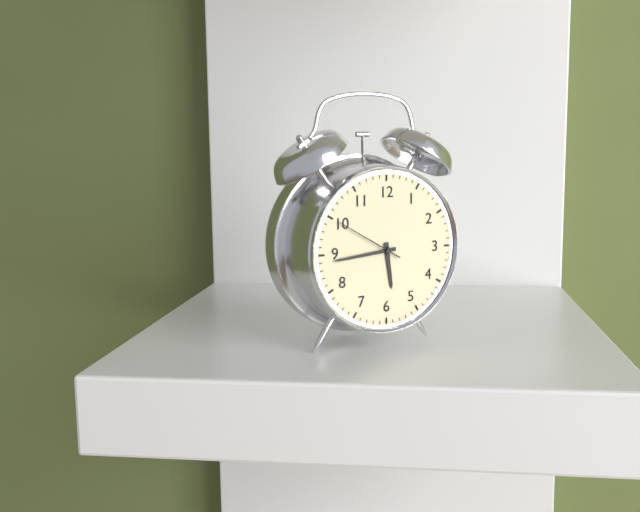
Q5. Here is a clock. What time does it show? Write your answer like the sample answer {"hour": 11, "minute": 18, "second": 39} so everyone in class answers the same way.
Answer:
{"hour": 5, "minute": 44, "second": 50}
